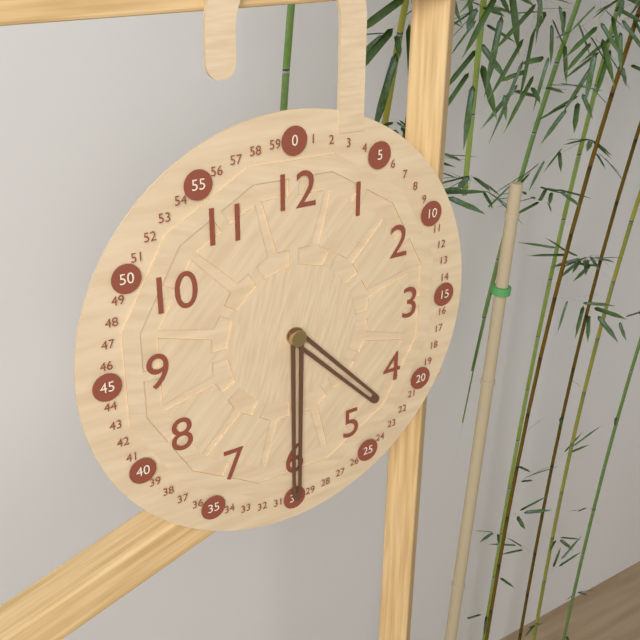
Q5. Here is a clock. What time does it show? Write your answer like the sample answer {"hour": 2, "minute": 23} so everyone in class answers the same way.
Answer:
{"hour": 4, "minute": 30}
